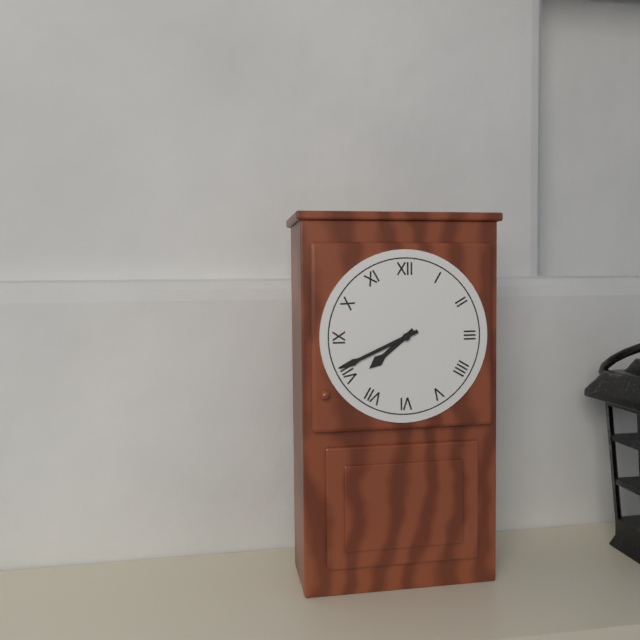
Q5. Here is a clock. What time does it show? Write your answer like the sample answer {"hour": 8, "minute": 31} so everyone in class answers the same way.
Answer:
{"hour": 7, "minute": 41}
